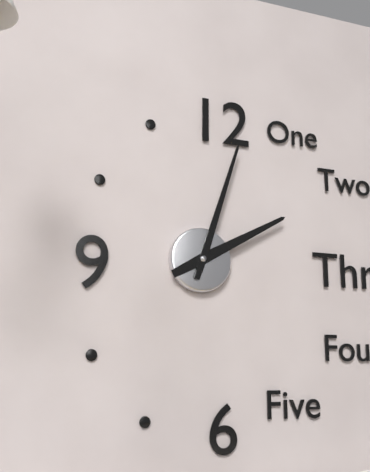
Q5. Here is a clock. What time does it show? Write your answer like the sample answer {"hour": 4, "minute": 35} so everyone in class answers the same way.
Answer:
{"hour": 2, "minute": 3}
